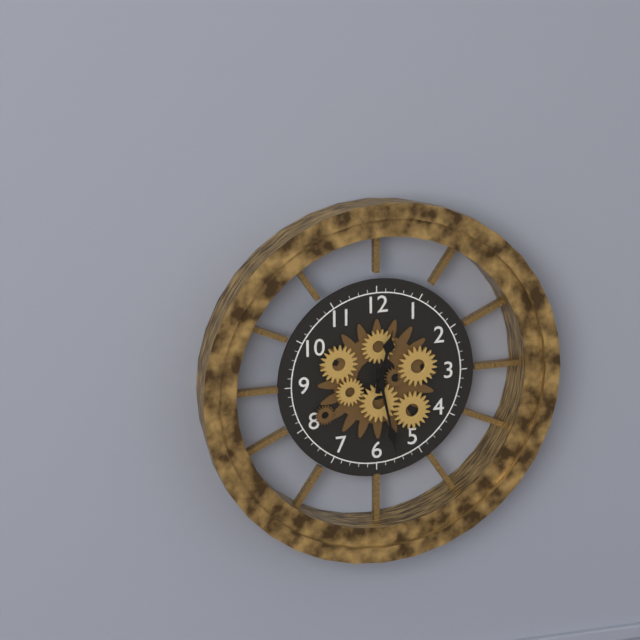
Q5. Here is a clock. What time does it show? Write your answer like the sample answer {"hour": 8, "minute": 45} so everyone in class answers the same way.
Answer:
{"hour": 12, "minute": 28}
